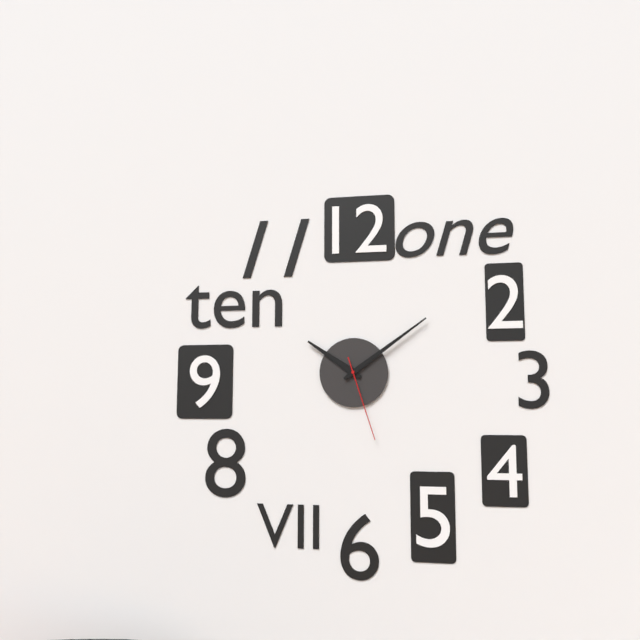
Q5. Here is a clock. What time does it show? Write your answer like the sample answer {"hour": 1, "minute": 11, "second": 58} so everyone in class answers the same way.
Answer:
{"hour": 10, "minute": 9, "second": 27}
